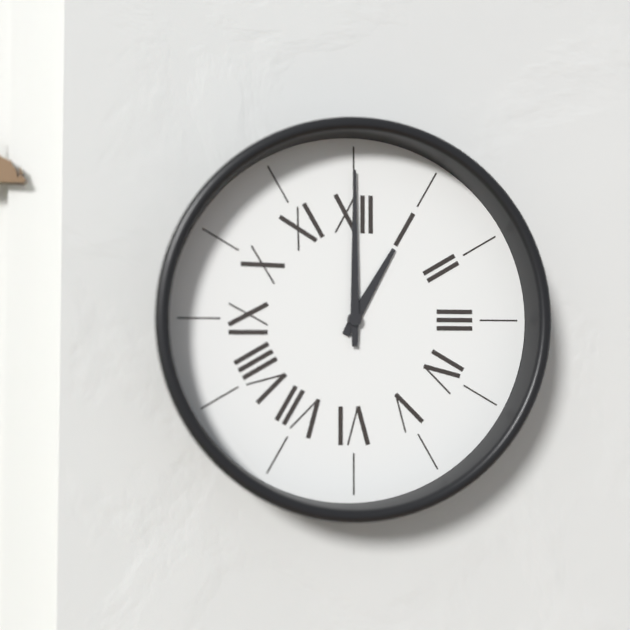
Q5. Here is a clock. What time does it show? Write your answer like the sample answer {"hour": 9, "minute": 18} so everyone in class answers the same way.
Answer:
{"hour": 1, "minute": 0}
